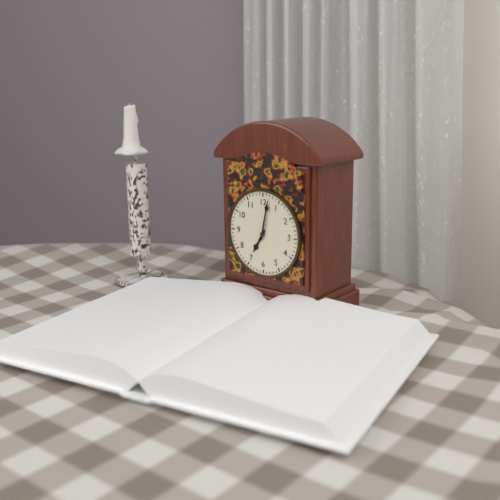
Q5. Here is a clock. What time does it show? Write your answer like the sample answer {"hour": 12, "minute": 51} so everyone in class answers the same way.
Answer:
{"hour": 7, "minute": 2}
